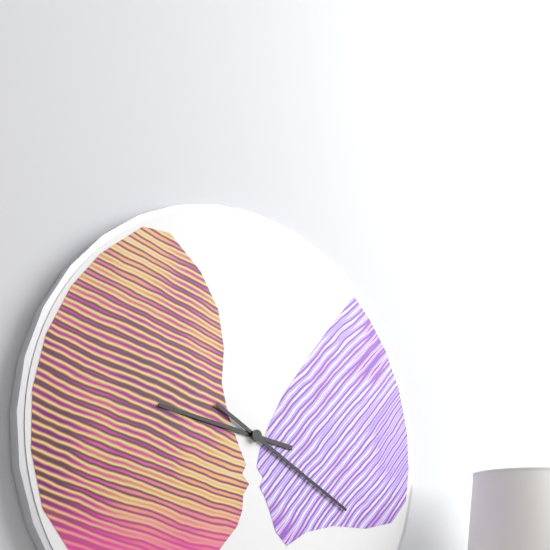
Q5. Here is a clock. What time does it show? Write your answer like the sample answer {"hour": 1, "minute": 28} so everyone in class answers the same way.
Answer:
{"hour": 9, "minute": 20}
